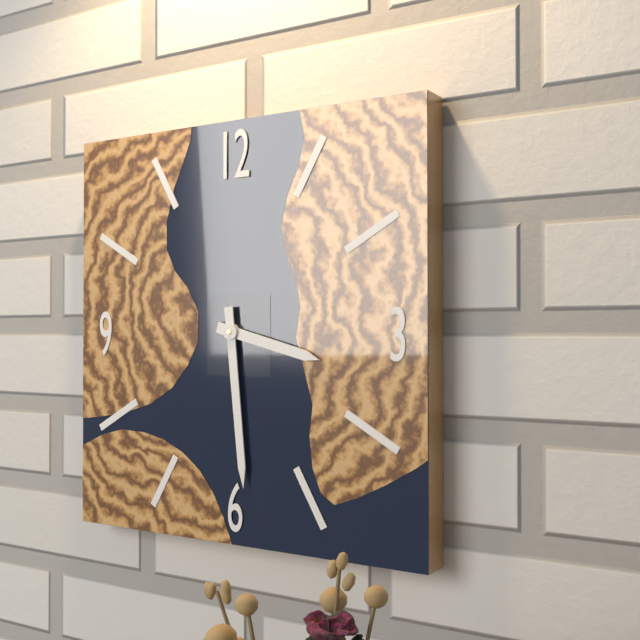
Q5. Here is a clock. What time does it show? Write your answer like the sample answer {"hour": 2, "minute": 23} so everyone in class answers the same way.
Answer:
{"hour": 3, "minute": 29}
